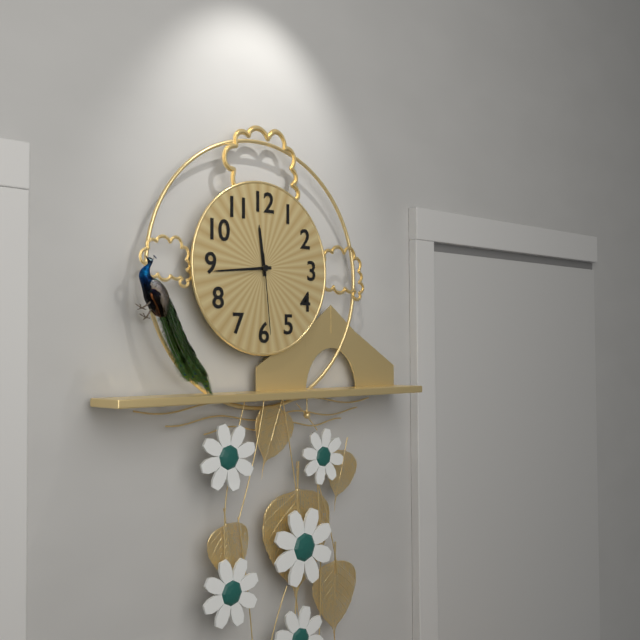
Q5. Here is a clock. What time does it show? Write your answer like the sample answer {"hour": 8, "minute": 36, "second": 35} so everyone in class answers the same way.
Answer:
{"hour": 11, "minute": 44, "second": 29}
